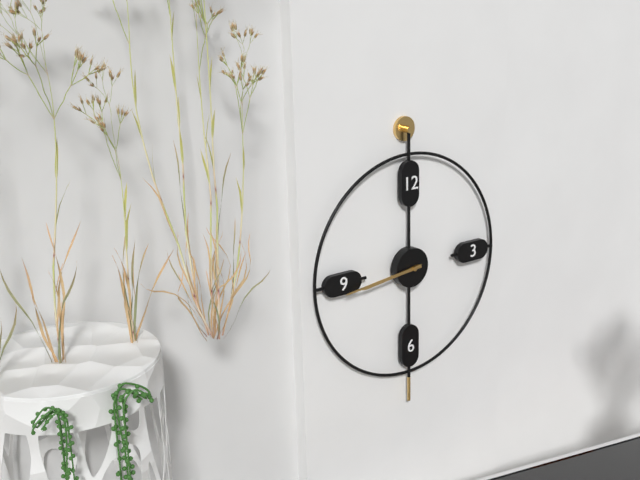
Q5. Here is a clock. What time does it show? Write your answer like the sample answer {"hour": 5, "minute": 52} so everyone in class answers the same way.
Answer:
{"hour": 8, "minute": 44}
